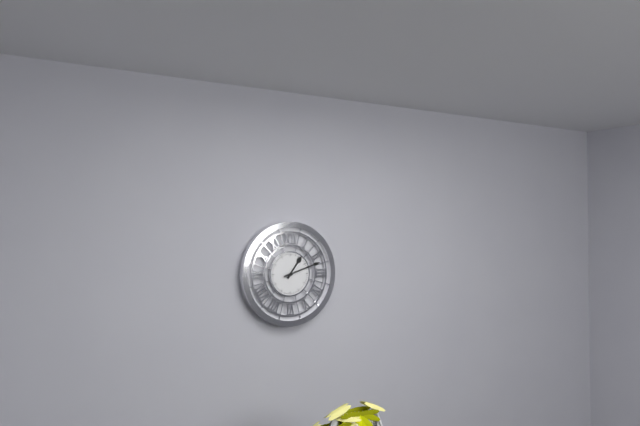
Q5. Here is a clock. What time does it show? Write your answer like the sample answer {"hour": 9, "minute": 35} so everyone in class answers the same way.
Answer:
{"hour": 1, "minute": 12}
